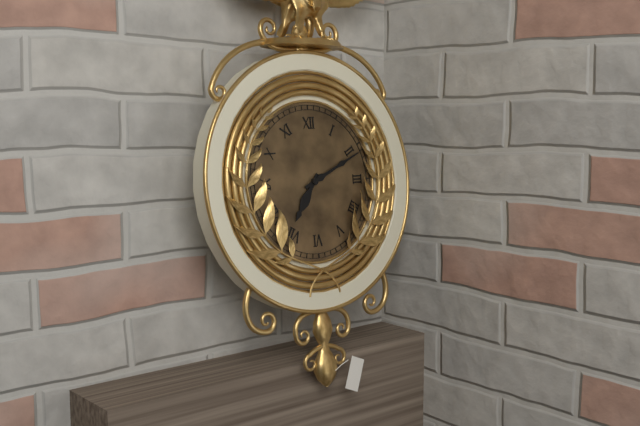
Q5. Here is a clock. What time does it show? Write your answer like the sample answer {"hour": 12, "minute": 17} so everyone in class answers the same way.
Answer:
{"hour": 7, "minute": 11}
